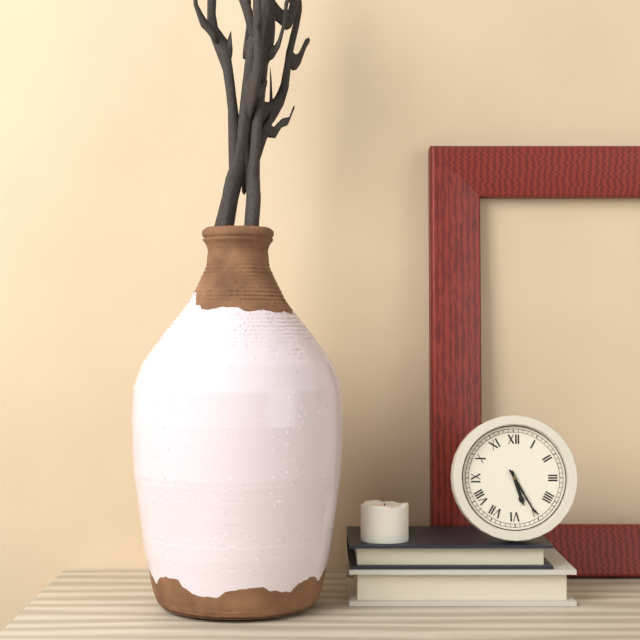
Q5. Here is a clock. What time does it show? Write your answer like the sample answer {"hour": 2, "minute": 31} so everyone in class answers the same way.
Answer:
{"hour": 5, "minute": 25}
